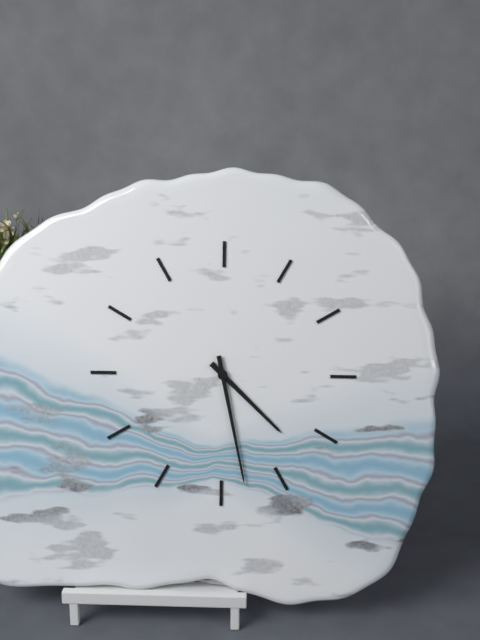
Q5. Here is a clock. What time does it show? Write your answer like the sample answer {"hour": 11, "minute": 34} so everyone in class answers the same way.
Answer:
{"hour": 4, "minute": 28}
